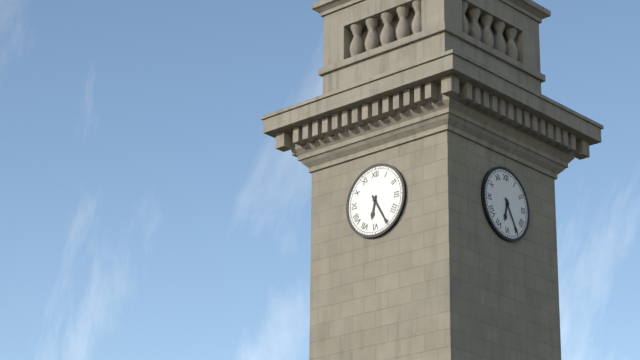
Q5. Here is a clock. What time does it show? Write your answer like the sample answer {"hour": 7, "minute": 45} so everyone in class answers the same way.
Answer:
{"hour": 6, "minute": 25}
